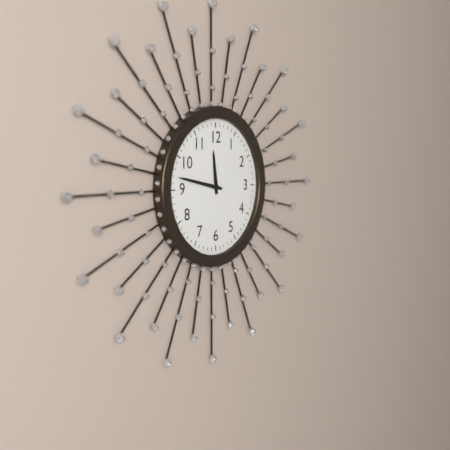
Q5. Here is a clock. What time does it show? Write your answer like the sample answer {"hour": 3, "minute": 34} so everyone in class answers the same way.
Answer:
{"hour": 11, "minute": 47}
